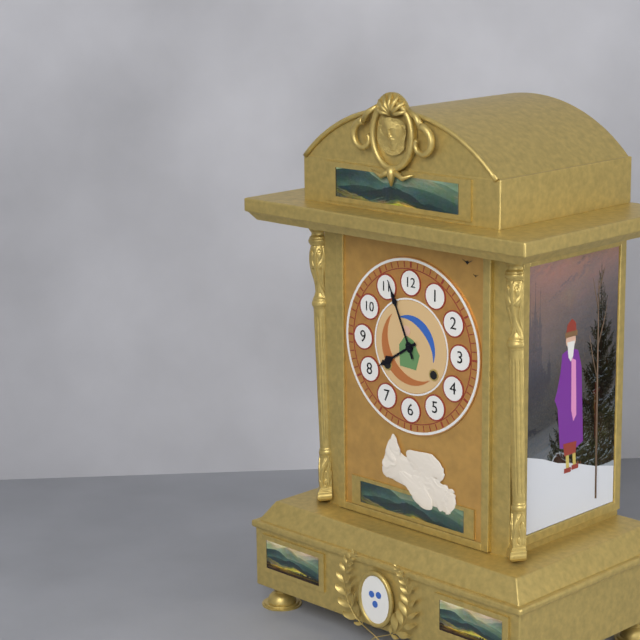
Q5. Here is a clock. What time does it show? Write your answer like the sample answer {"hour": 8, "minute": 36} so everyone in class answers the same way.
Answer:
{"hour": 7, "minute": 56}
